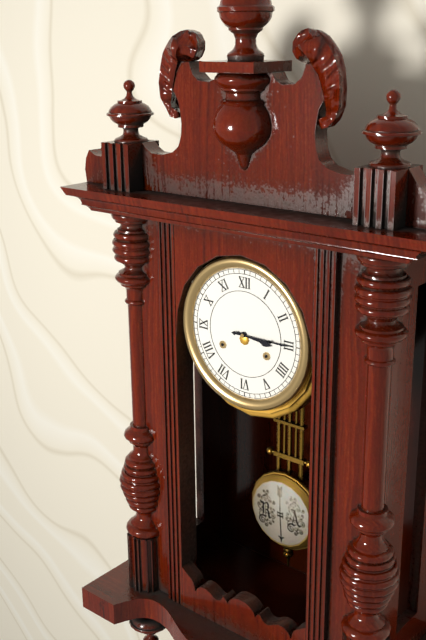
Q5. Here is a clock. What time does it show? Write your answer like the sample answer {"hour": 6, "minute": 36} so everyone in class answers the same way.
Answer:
{"hour": 3, "minute": 15}
